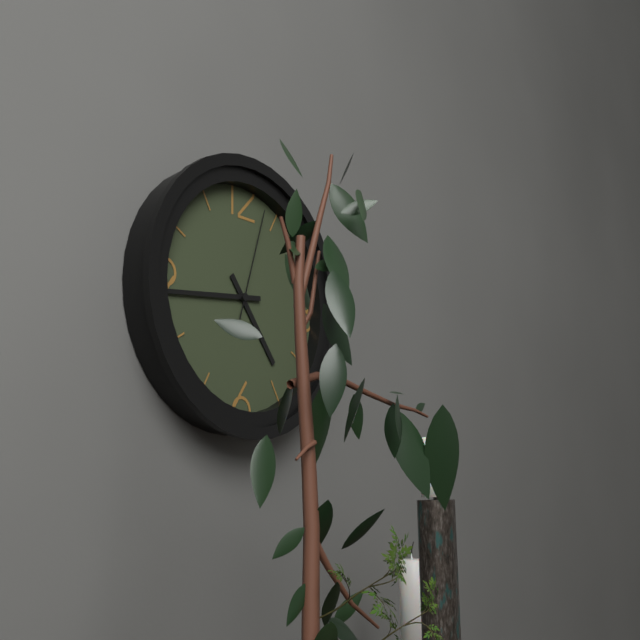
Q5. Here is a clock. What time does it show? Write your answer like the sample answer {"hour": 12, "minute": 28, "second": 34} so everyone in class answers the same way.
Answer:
{"hour": 4, "minute": 44, "second": 3}
